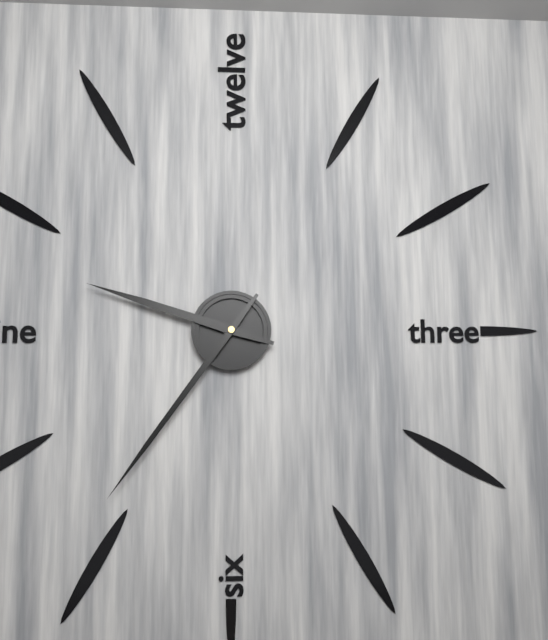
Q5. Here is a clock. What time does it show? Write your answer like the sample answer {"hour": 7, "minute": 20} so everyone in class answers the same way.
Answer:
{"hour": 9, "minute": 36}
